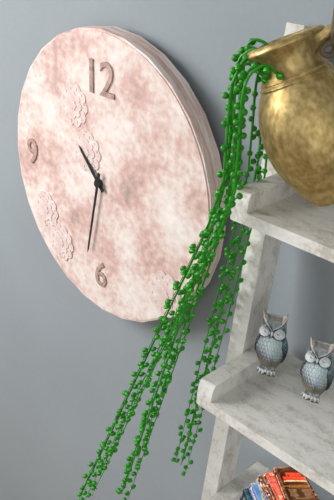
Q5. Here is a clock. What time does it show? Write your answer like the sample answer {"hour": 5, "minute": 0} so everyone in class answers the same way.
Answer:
{"hour": 10, "minute": 32}
